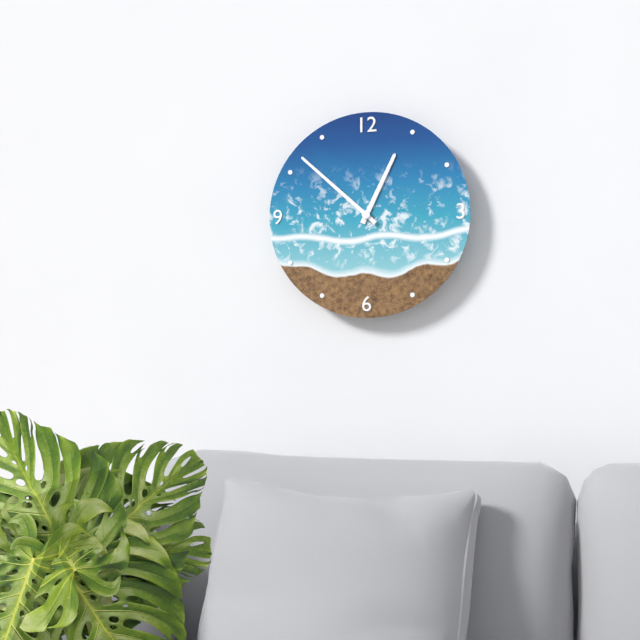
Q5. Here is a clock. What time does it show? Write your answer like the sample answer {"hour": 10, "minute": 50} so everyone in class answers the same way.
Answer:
{"hour": 12, "minute": 52}
